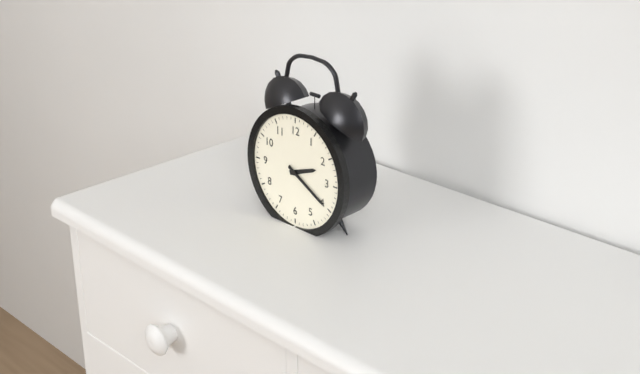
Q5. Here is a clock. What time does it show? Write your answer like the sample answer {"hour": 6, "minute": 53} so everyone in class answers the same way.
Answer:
{"hour": 2, "minute": 20}
